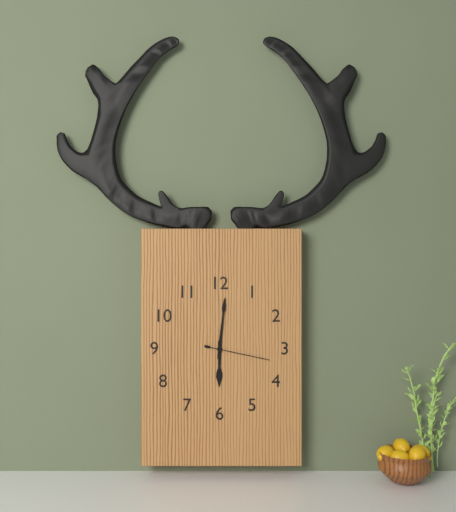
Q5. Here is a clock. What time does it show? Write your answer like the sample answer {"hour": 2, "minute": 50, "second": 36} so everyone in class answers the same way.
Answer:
{"hour": 6, "minute": 1, "second": 17}
